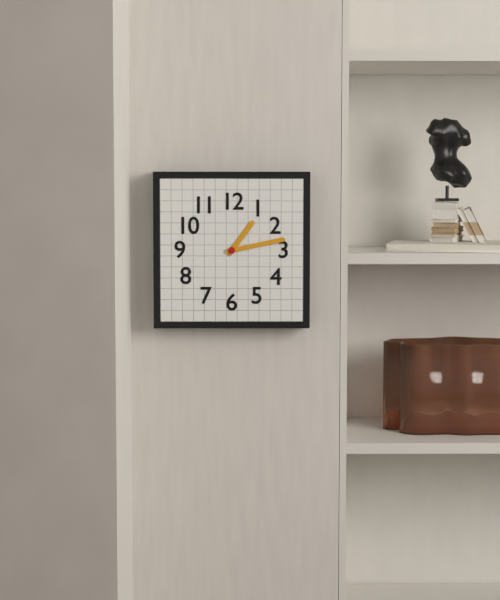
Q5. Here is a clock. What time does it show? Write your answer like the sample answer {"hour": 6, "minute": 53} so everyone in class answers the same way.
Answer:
{"hour": 1, "minute": 13}
